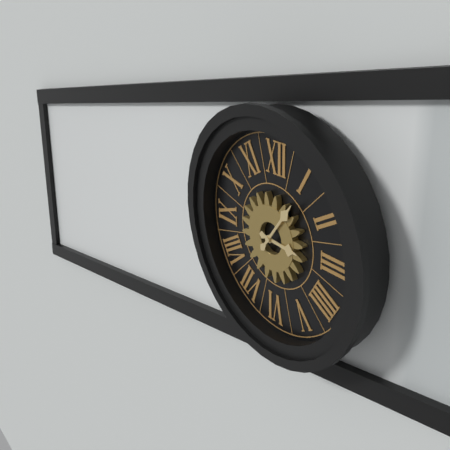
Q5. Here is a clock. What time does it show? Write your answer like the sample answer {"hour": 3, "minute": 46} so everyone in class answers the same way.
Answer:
{"hour": 3, "minute": 6}
